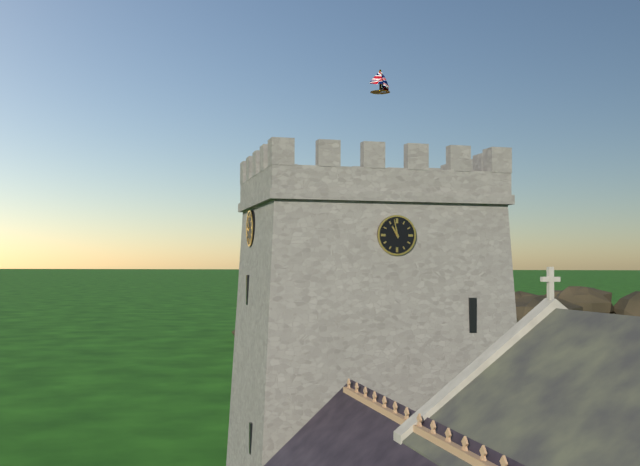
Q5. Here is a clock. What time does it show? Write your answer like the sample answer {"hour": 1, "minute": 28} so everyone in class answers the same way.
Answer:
{"hour": 10, "minute": 58}
